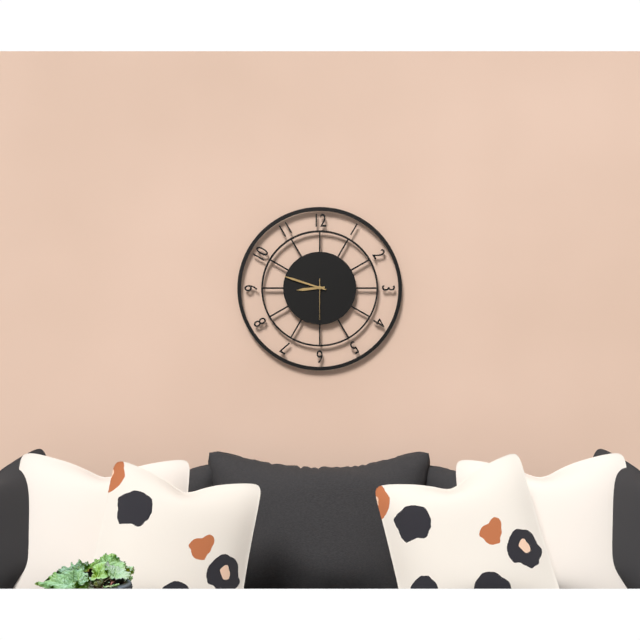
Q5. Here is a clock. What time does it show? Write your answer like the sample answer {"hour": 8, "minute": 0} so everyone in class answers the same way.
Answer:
{"hour": 8, "minute": 48}
